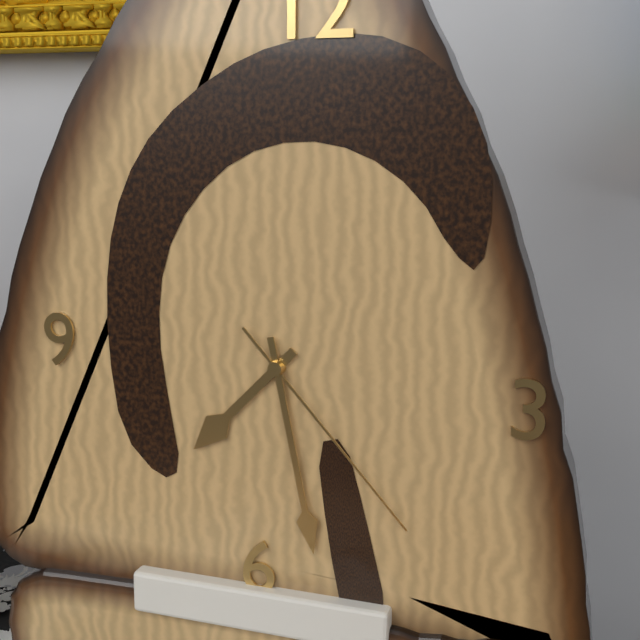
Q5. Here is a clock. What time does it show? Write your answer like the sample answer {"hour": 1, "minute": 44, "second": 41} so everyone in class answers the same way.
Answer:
{"hour": 7, "minute": 28, "second": 23}
